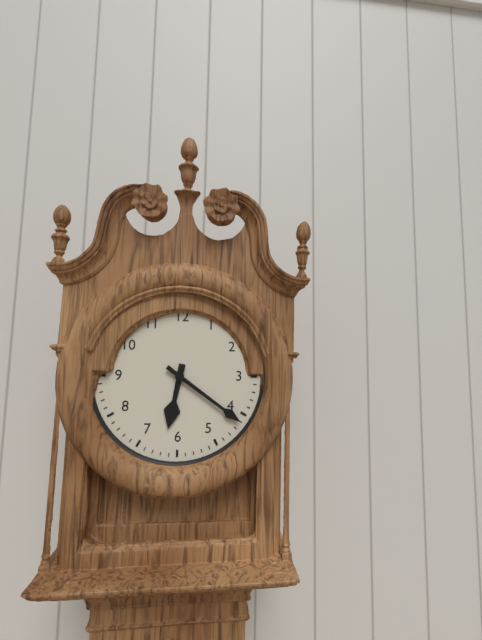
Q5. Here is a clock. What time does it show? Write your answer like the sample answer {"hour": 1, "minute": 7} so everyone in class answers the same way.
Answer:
{"hour": 6, "minute": 21}
